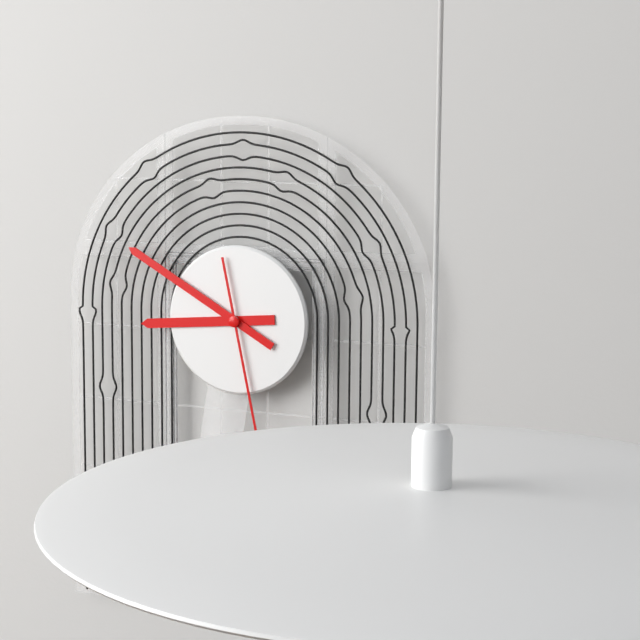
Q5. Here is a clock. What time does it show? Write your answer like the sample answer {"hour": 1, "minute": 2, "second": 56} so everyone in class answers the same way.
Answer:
{"hour": 8, "minute": 50, "second": 28}
